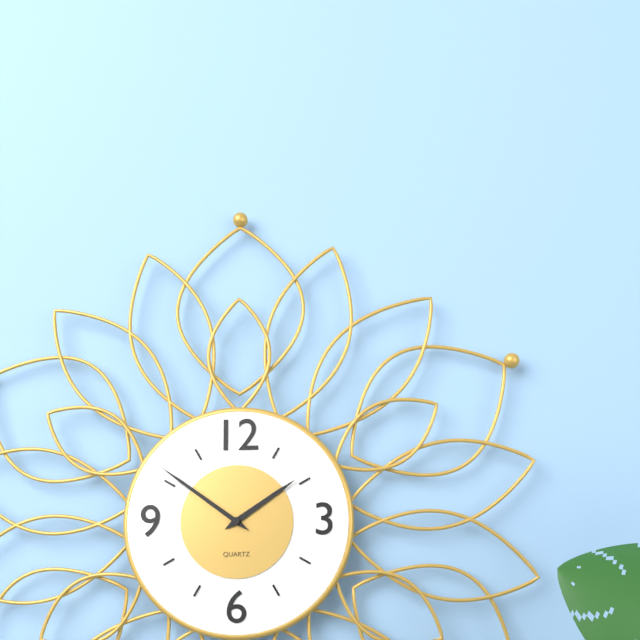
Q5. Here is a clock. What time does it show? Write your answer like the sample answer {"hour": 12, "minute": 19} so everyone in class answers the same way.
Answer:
{"hour": 1, "minute": 51}
